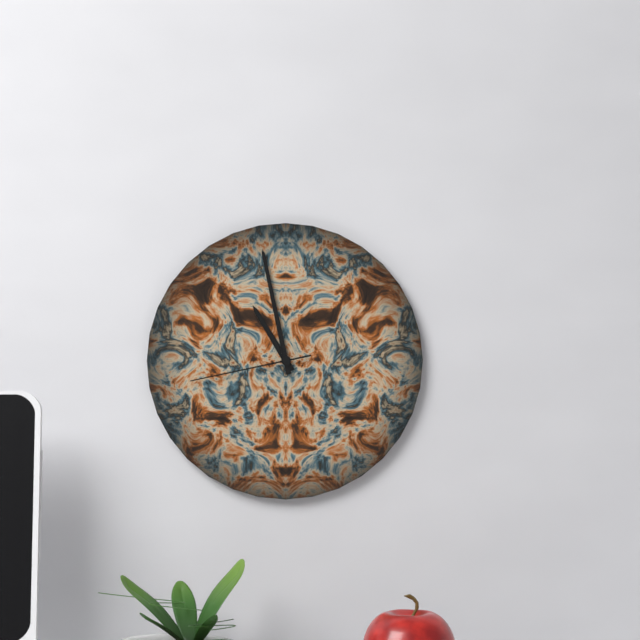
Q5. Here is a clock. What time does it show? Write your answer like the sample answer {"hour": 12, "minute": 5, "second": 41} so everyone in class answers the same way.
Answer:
{"hour": 10, "minute": 58, "second": 43}
